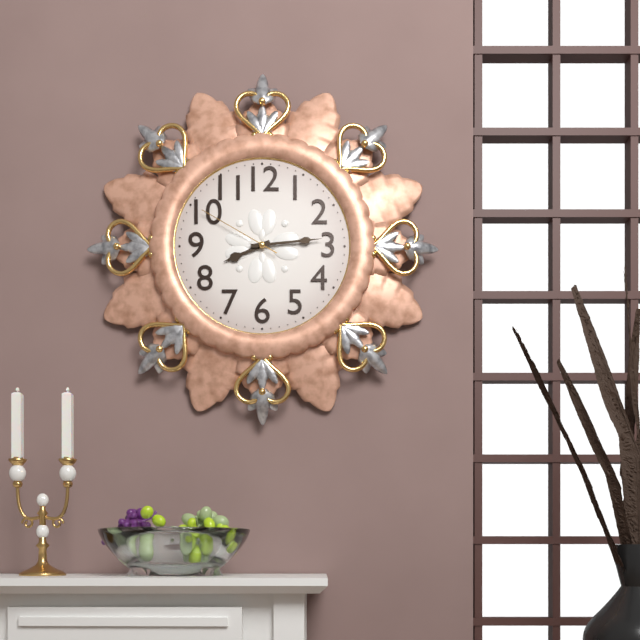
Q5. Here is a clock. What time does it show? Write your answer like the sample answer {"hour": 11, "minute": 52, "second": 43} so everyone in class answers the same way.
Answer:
{"hour": 8, "minute": 14, "second": 50}
